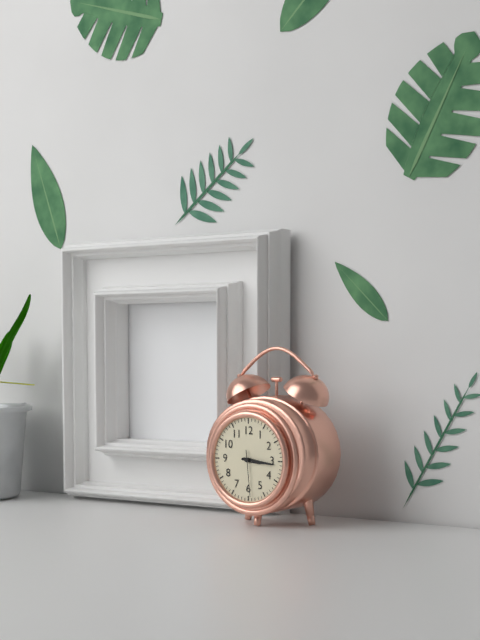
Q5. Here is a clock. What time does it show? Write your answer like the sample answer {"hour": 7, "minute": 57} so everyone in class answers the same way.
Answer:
{"hour": 3, "minute": 16}
